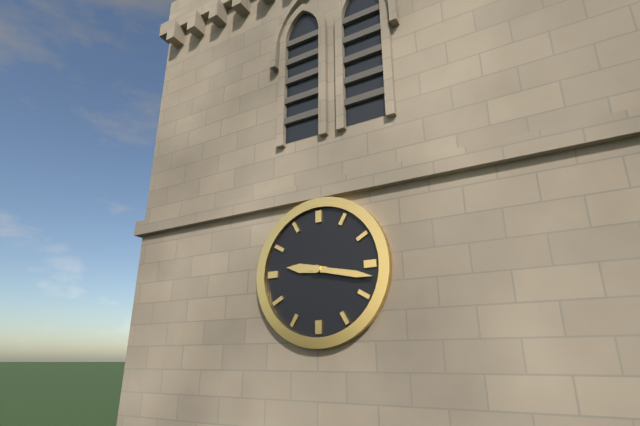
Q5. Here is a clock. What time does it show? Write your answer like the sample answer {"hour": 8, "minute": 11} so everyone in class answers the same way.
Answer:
{"hour": 9, "minute": 17}
